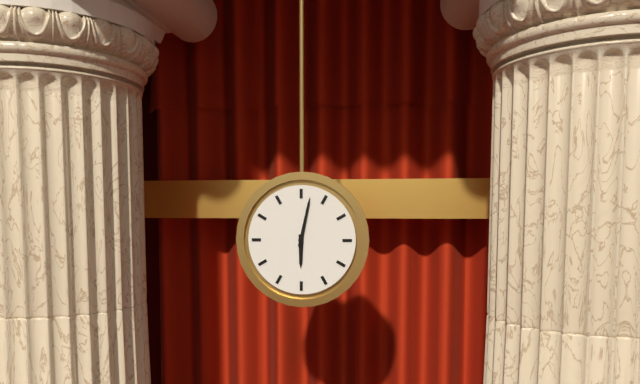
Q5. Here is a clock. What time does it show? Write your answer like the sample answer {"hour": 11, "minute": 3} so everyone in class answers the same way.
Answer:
{"hour": 6, "minute": 2}
